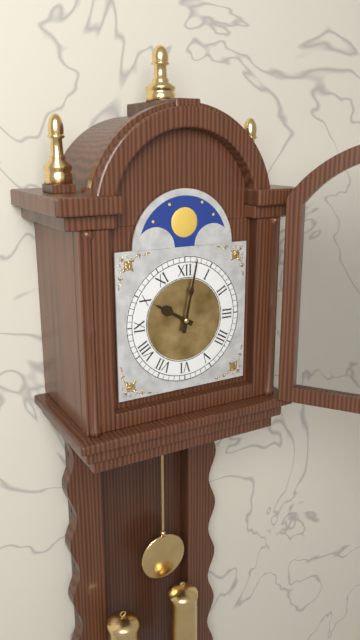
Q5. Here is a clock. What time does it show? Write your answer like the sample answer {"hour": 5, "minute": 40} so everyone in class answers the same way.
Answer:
{"hour": 10, "minute": 2}
